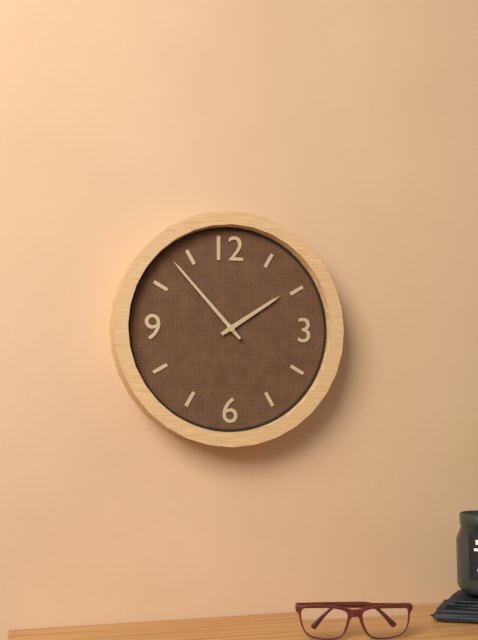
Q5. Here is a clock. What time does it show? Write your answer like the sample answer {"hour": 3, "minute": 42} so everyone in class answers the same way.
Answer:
{"hour": 1, "minute": 53}
